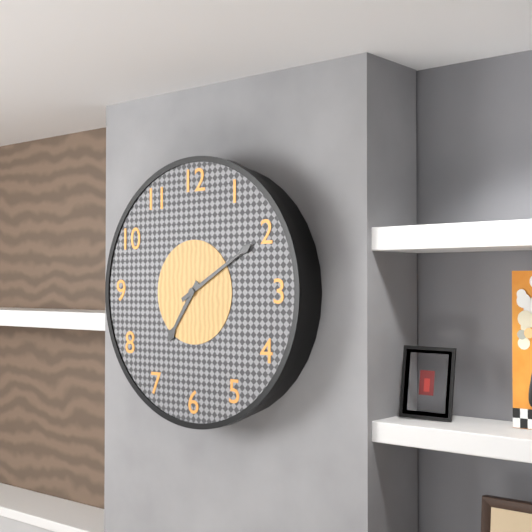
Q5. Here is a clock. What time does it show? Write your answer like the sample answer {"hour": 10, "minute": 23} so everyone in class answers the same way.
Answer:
{"hour": 7, "minute": 10}
